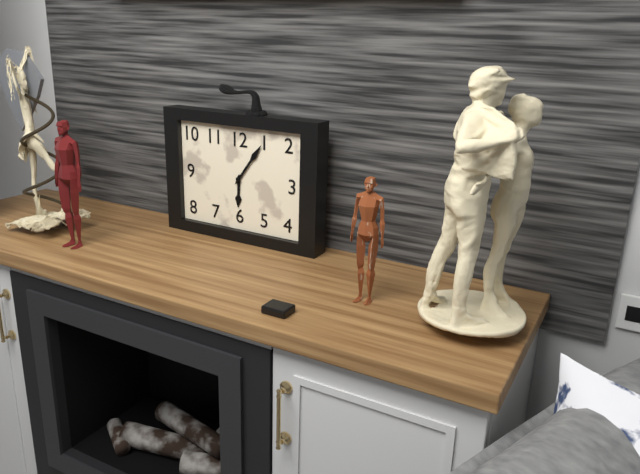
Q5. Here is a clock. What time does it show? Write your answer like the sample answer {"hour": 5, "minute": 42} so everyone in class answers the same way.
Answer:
{"hour": 6, "minute": 6}
